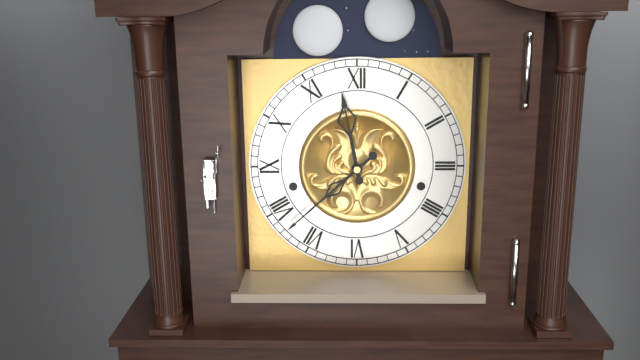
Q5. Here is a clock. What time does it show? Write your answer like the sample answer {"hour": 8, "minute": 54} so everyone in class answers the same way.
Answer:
{"hour": 11, "minute": 38}
